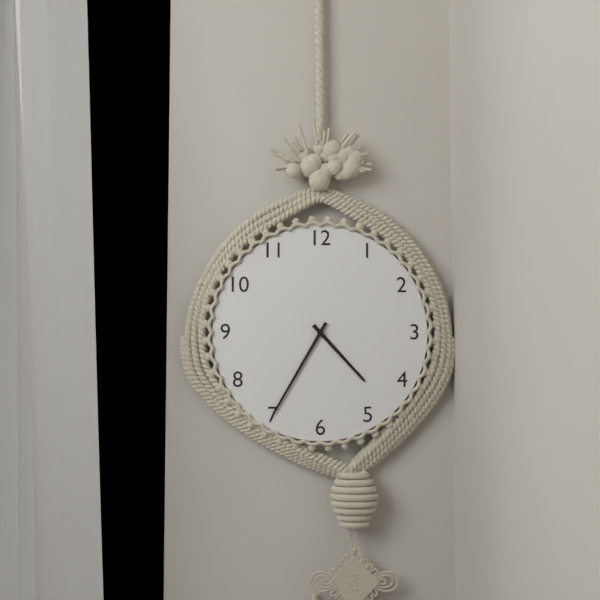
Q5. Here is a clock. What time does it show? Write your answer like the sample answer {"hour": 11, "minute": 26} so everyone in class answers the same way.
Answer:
{"hour": 4, "minute": 35}
